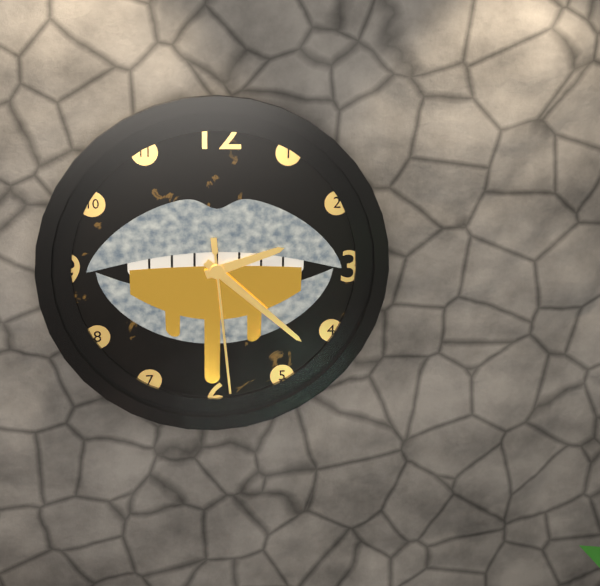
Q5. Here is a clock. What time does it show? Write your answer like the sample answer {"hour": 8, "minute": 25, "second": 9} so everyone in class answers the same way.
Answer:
{"hour": 2, "minute": 22, "second": 29}
